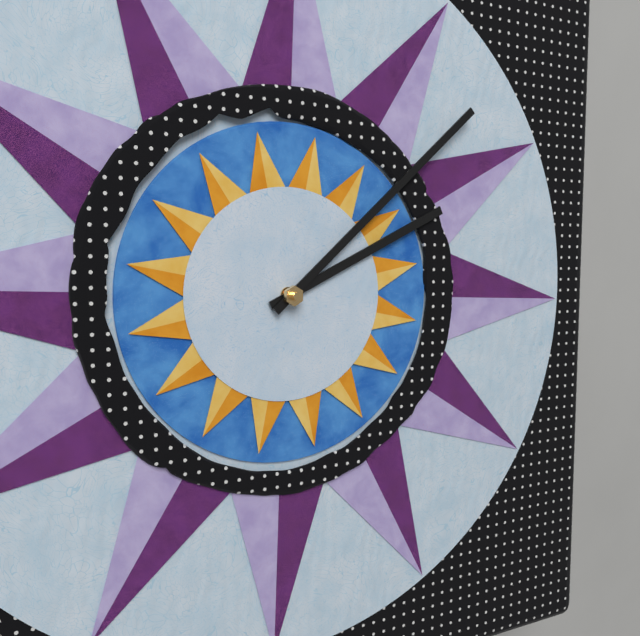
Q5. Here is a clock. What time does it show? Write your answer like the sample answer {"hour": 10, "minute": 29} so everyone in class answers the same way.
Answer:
{"hour": 2, "minute": 8}
